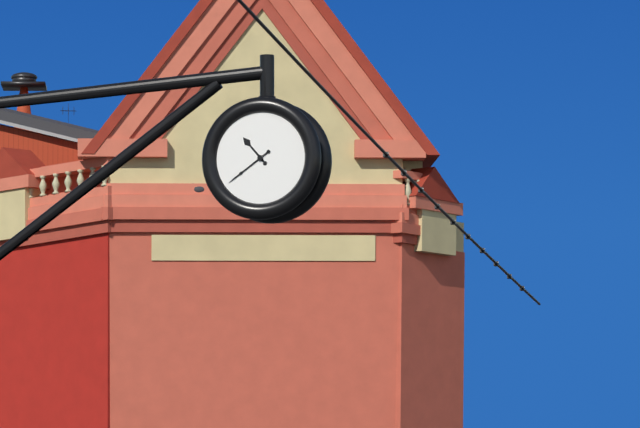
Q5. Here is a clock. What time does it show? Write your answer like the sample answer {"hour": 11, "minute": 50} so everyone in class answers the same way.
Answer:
{"hour": 10, "minute": 39}
